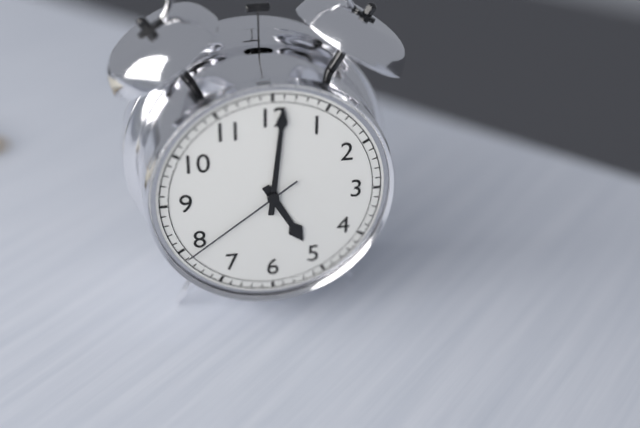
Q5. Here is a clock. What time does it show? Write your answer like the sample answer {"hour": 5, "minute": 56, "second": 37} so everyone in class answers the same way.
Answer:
{"hour": 5, "minute": 1, "second": 39}
